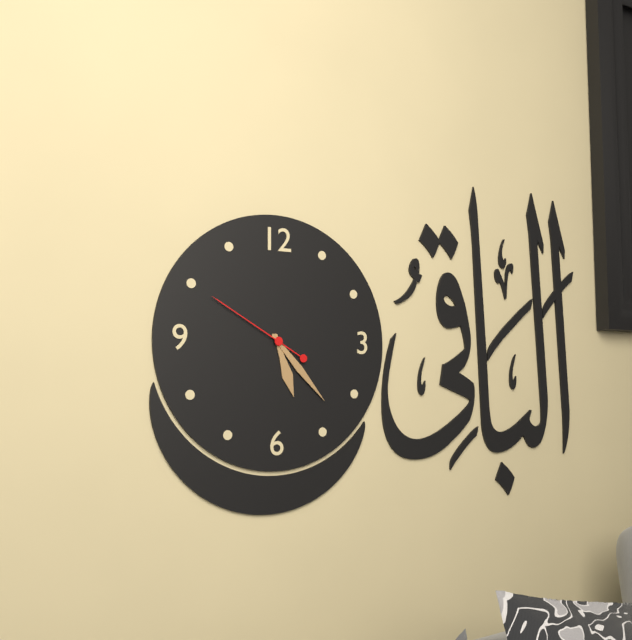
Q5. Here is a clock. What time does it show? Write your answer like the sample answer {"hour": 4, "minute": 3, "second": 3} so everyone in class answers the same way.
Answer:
{"hour": 5, "minute": 23, "second": 50}
